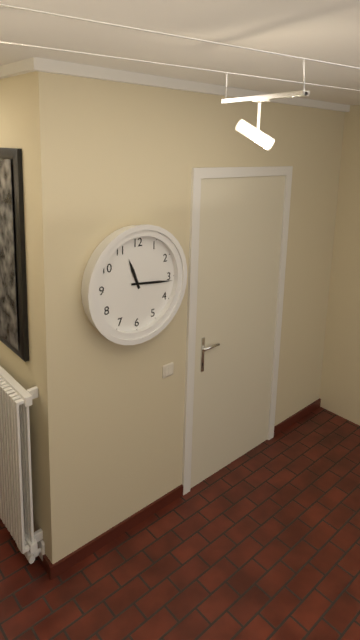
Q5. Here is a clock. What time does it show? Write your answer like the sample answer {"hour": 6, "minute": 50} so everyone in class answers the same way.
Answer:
{"hour": 11, "minute": 16}
